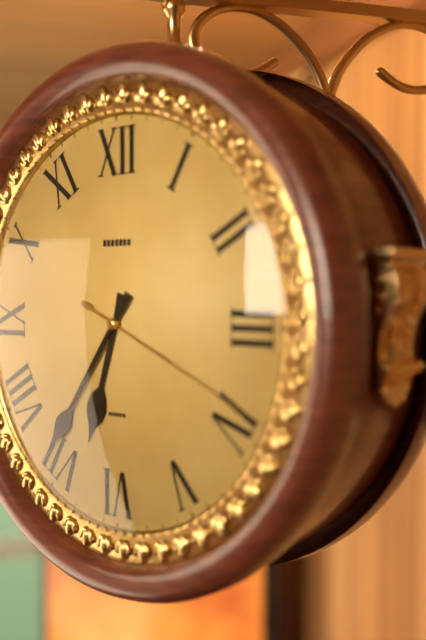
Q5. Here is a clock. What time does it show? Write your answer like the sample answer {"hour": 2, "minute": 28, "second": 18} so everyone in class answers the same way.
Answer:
{"hour": 6, "minute": 36, "second": 19}
